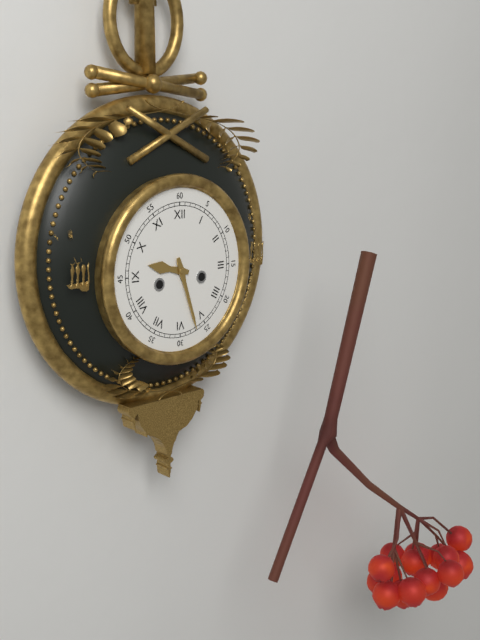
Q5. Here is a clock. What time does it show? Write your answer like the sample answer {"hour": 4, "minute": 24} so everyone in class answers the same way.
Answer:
{"hour": 9, "minute": 27}
